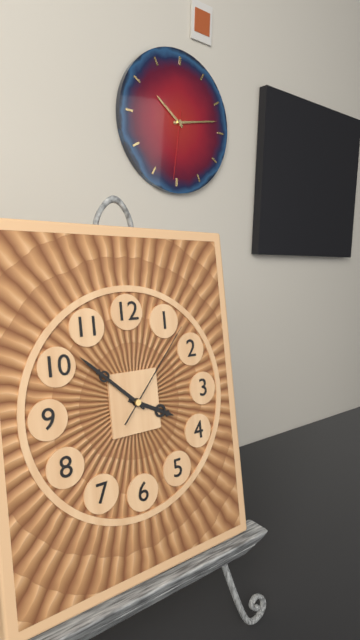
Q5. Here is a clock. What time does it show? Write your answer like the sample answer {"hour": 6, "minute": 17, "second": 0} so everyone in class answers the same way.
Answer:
{"hour": 3, "minute": 52, "second": 7}
